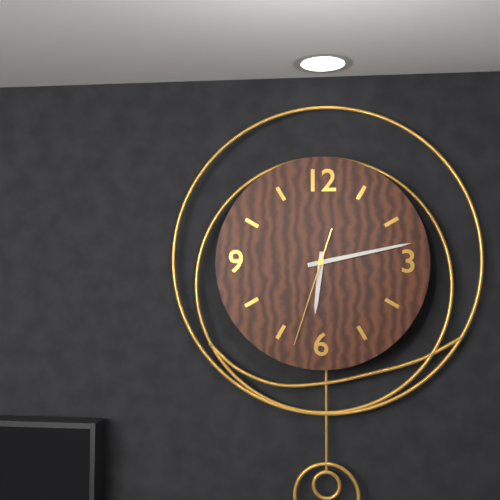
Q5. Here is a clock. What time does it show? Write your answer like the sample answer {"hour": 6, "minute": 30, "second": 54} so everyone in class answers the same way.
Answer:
{"hour": 6, "minute": 13, "second": 33}
